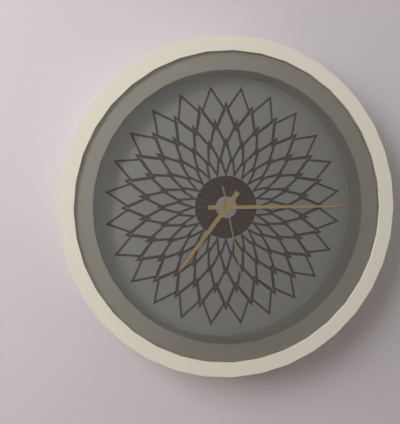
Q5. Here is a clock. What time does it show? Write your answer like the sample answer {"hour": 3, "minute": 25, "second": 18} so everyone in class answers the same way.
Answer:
{"hour": 7, "minute": 15, "second": 28}
